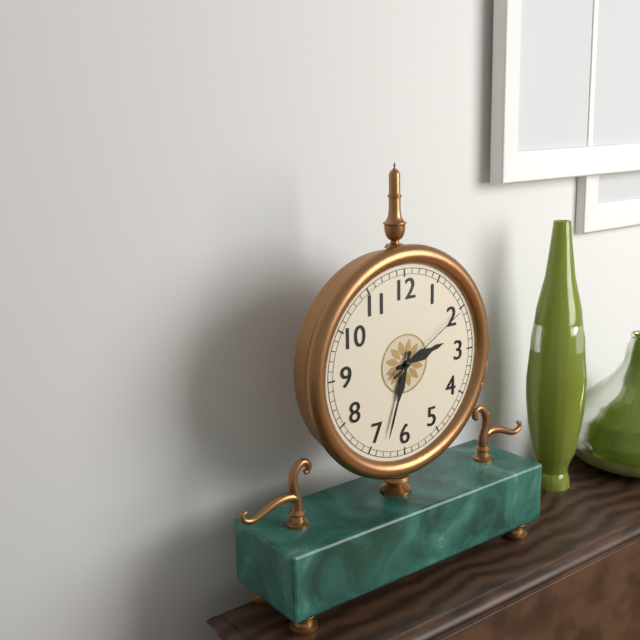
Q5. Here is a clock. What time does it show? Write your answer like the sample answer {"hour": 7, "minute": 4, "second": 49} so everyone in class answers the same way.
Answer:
{"hour": 2, "minute": 33, "second": 10}
